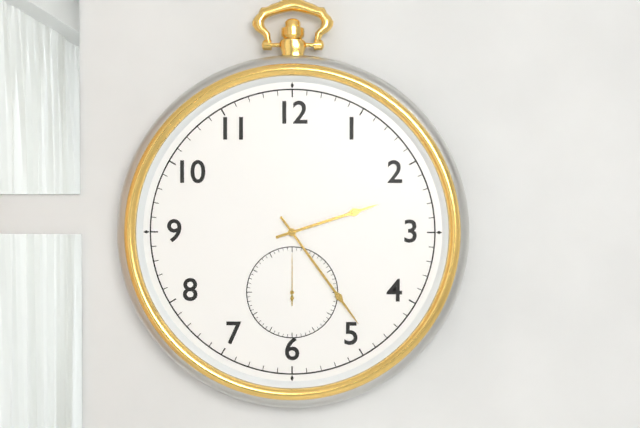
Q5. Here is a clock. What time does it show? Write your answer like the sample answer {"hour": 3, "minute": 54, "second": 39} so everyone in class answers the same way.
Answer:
{"hour": 2, "minute": 24, "second": 0}
